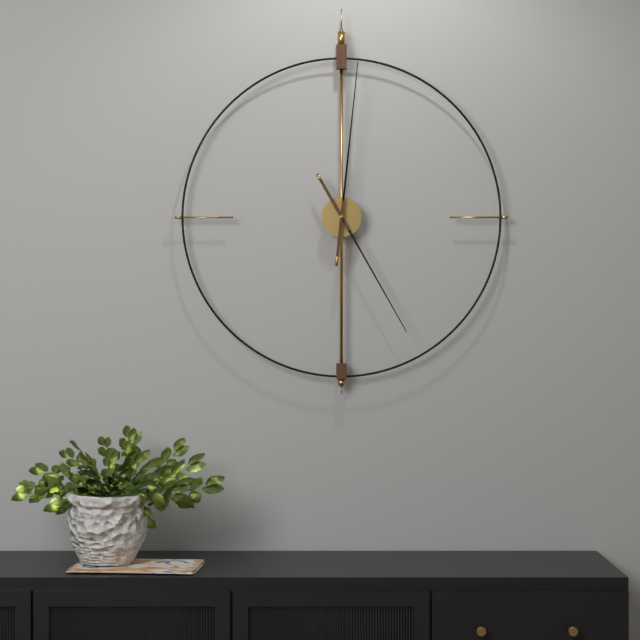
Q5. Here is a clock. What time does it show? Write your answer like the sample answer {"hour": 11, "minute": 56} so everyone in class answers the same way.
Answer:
{"hour": 5, "minute": 1}
